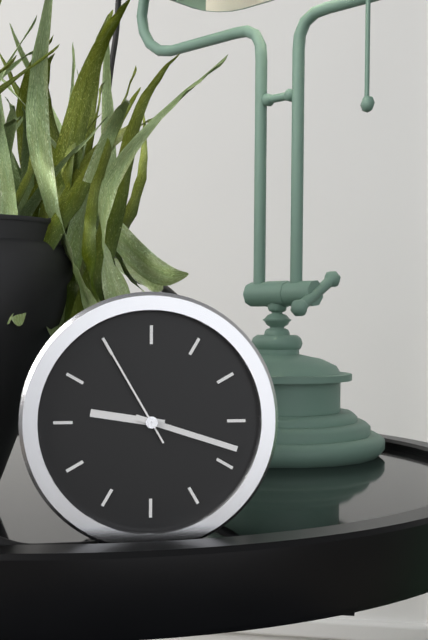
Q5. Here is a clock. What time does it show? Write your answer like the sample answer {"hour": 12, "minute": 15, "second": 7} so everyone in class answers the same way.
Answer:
{"hour": 9, "minute": 18, "second": 55}
